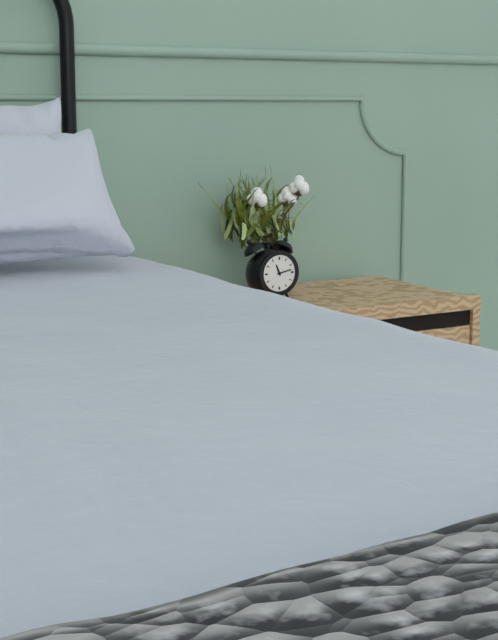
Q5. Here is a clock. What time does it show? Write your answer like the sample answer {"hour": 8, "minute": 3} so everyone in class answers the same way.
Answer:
{"hour": 11, "minute": 13}
